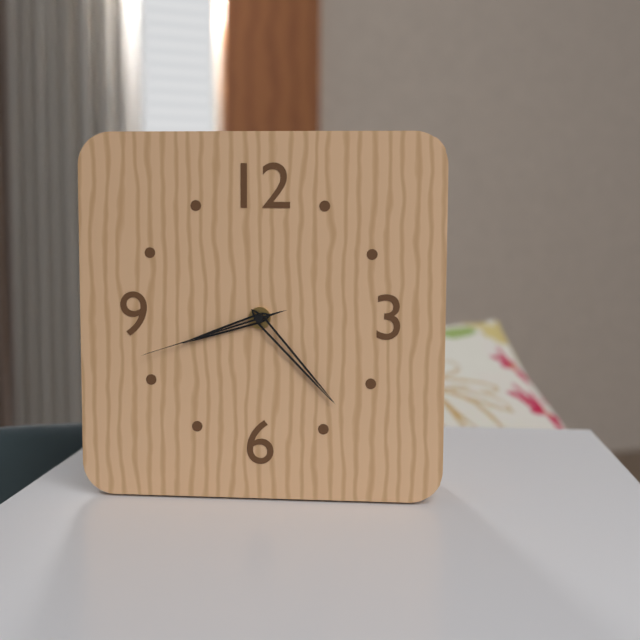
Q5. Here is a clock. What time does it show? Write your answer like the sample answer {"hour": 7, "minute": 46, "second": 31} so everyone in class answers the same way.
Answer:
{"hour": 8, "minute": 23, "second": 42}
